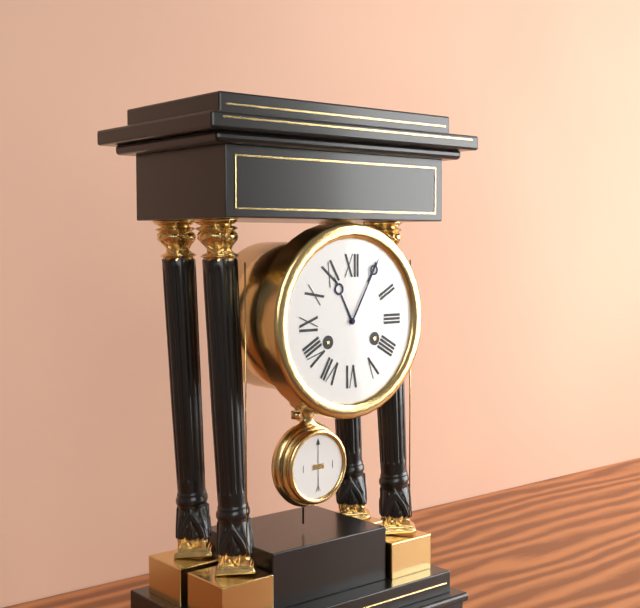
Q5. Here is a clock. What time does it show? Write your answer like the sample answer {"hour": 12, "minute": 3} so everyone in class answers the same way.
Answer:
{"hour": 11, "minute": 5}
